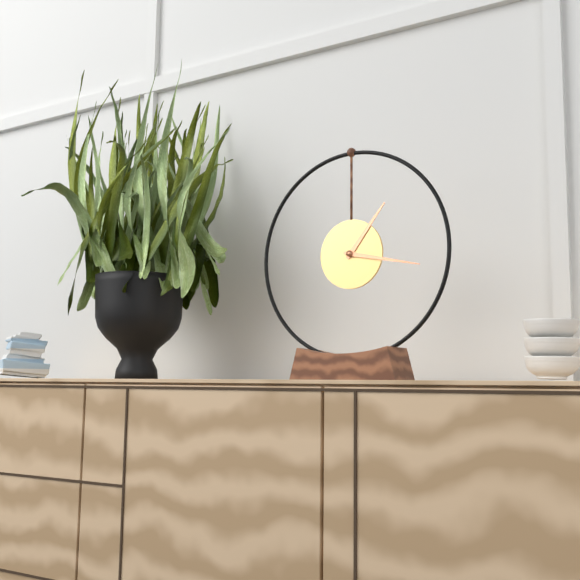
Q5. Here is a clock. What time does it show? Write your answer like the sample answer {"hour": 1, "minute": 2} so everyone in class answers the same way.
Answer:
{"hour": 1, "minute": 17}
